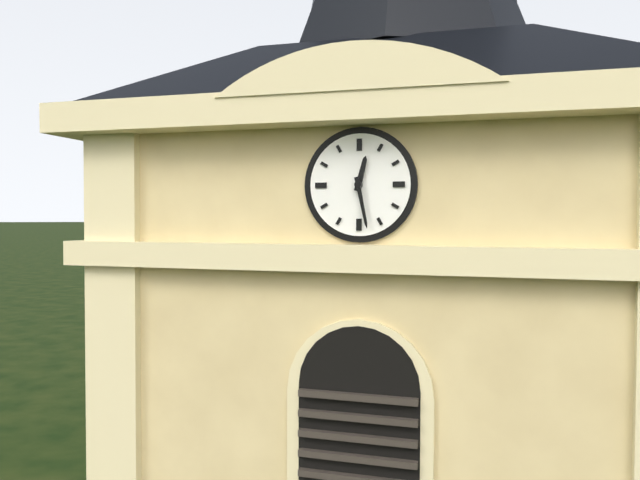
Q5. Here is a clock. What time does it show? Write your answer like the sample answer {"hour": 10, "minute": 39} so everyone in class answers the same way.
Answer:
{"hour": 12, "minute": 28}
